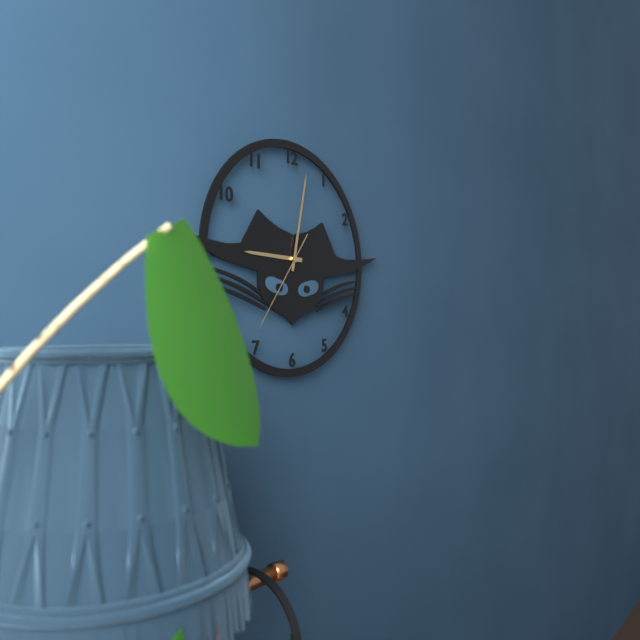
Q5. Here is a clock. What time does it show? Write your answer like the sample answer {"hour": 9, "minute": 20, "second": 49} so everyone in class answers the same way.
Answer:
{"hour": 9, "minute": 2, "second": 36}
